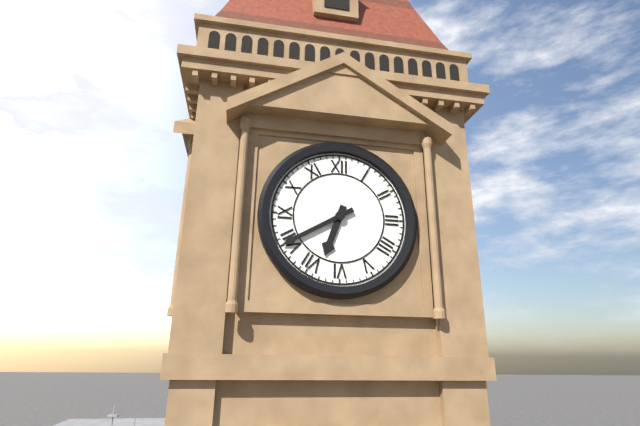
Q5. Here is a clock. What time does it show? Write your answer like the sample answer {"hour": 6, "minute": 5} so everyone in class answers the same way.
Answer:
{"hour": 6, "minute": 40}
